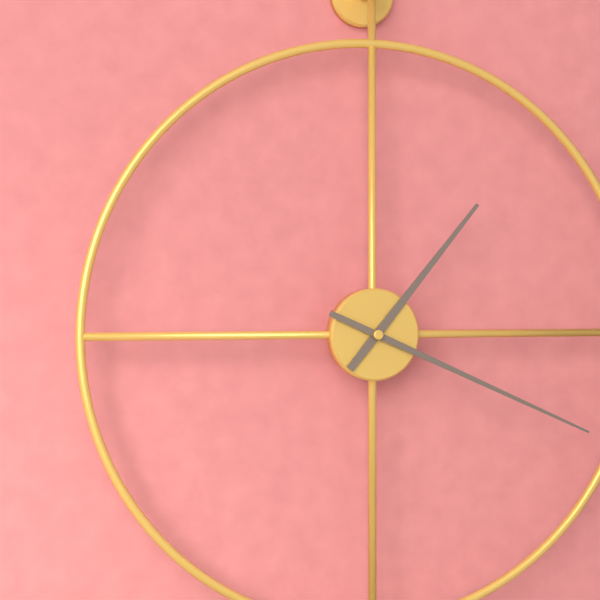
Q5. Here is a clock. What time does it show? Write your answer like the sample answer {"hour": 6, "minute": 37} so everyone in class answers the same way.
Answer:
{"hour": 1, "minute": 19}
